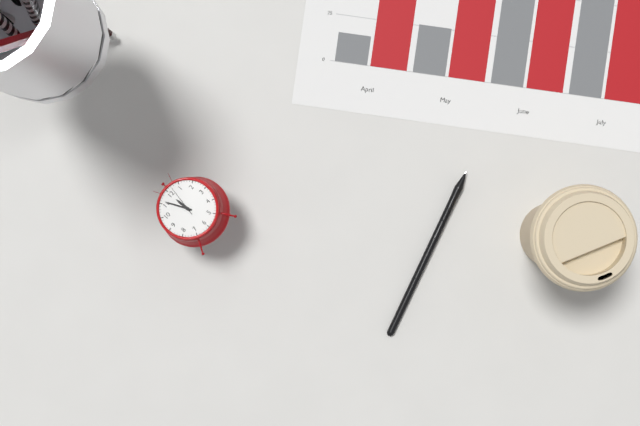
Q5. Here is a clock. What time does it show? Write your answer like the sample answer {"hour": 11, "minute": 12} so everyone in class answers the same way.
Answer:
{"hour": 11, "minute": 56}
